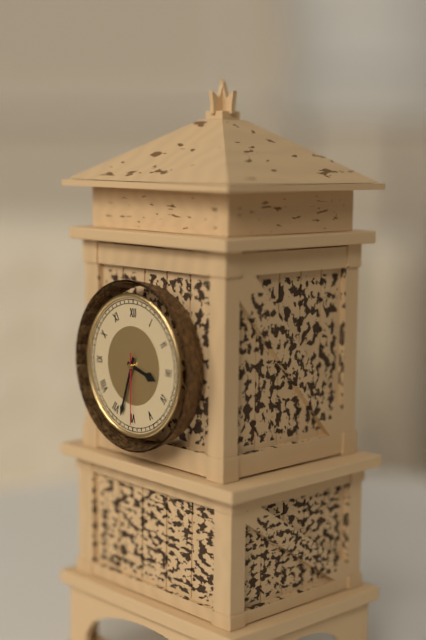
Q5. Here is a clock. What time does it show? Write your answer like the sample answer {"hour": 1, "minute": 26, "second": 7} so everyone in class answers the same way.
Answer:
{"hour": 3, "minute": 33, "second": 30}
